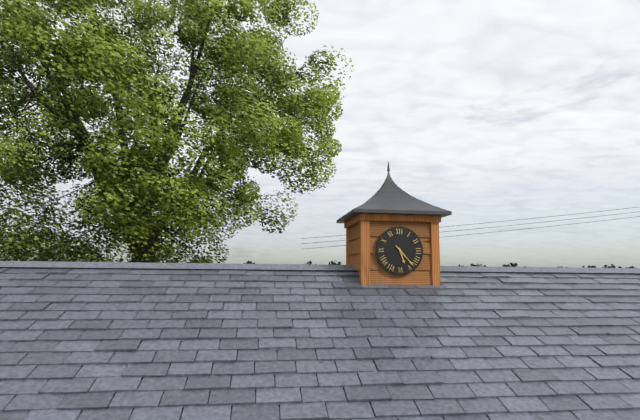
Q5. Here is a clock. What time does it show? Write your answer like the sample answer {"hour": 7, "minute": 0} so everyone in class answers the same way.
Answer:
{"hour": 5, "minute": 23}
